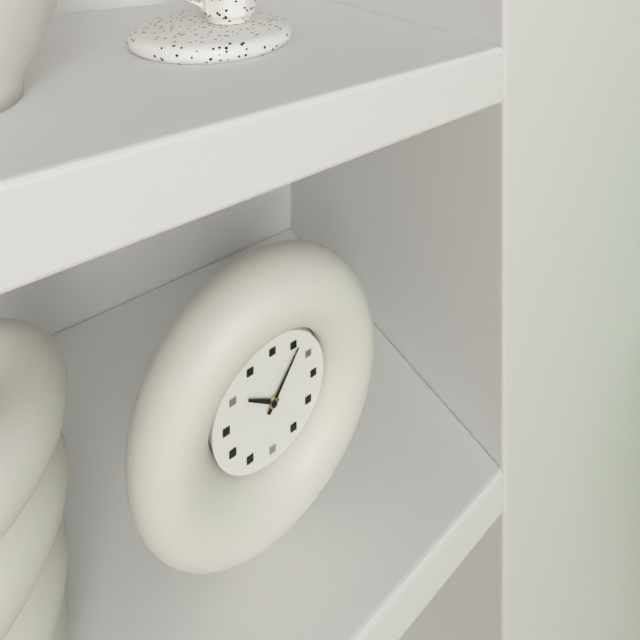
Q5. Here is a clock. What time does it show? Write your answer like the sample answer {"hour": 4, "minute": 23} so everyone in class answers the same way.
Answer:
{"hour": 10, "minute": 6}
